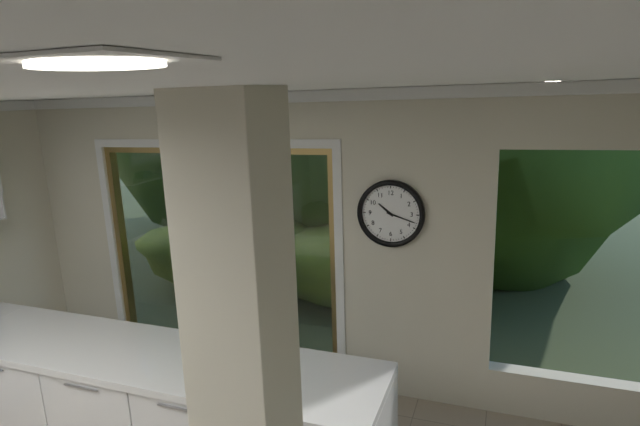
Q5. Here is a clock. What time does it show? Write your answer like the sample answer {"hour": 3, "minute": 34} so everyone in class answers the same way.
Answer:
{"hour": 10, "minute": 18}
